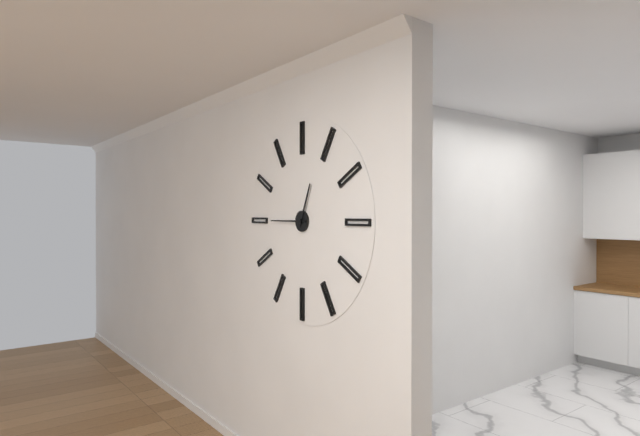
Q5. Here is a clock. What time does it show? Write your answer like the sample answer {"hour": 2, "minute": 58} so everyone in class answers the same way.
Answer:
{"hour": 12, "minute": 45}
